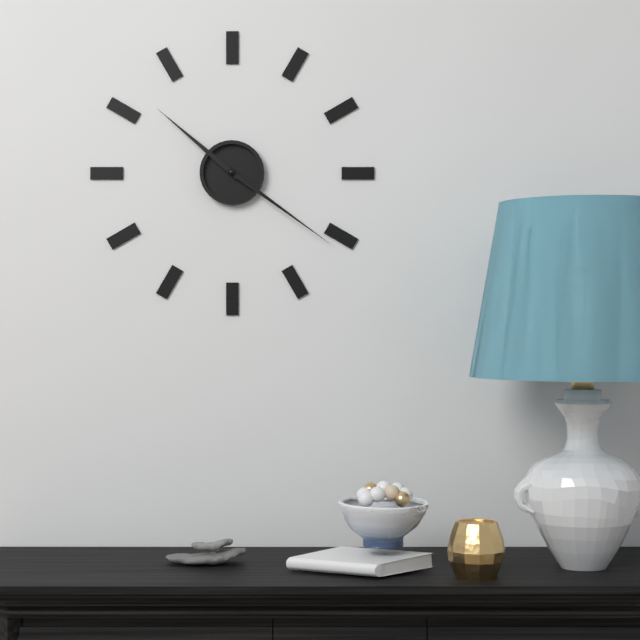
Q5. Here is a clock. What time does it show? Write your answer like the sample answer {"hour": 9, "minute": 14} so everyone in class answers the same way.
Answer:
{"hour": 10, "minute": 21}
